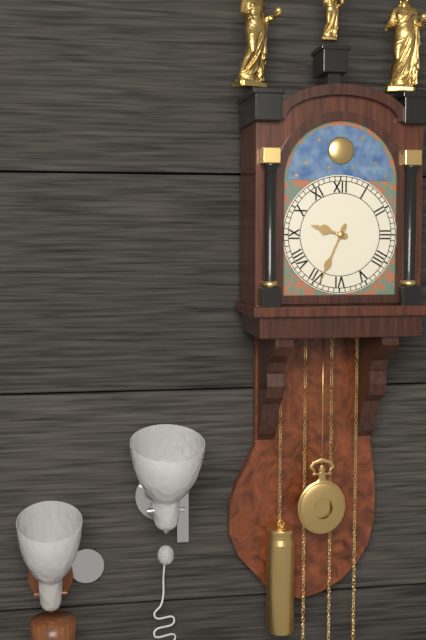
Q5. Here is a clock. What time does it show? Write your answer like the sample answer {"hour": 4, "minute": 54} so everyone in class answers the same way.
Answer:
{"hour": 9, "minute": 34}
